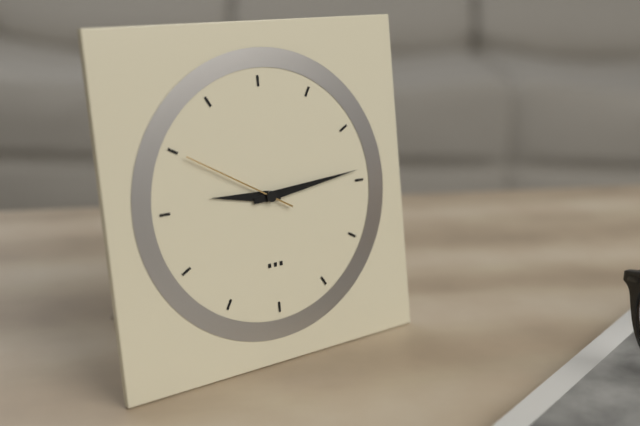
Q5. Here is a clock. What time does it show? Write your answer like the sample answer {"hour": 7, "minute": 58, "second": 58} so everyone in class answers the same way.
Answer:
{"hour": 9, "minute": 14, "second": 50}
